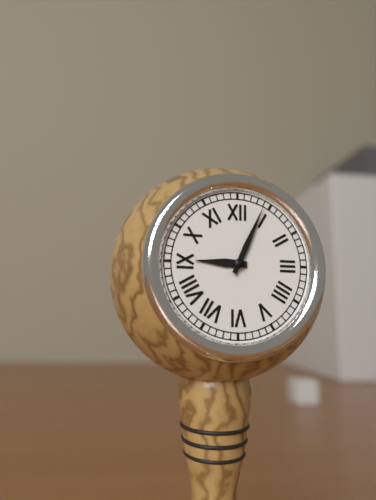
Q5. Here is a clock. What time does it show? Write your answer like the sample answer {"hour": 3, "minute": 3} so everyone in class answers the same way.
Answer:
{"hour": 9, "minute": 4}
